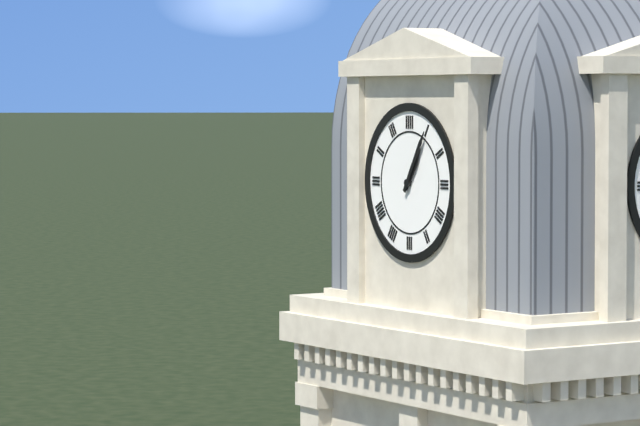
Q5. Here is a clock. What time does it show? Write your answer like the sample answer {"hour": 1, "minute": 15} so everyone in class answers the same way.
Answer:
{"hour": 1, "minute": 5}
